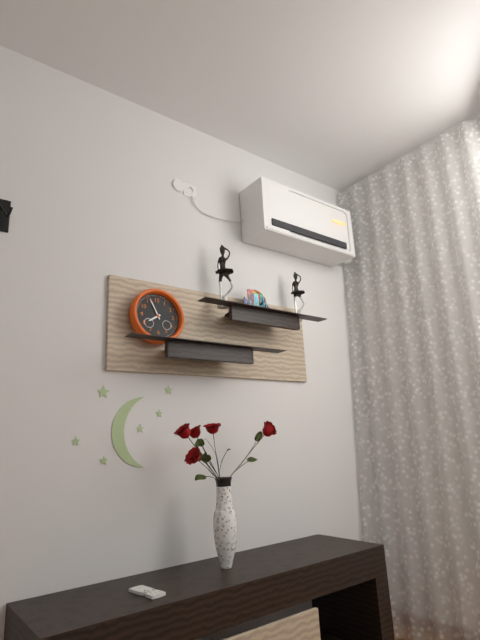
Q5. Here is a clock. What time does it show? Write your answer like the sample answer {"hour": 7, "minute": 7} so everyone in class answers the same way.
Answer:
{"hour": 7, "minute": 56}
